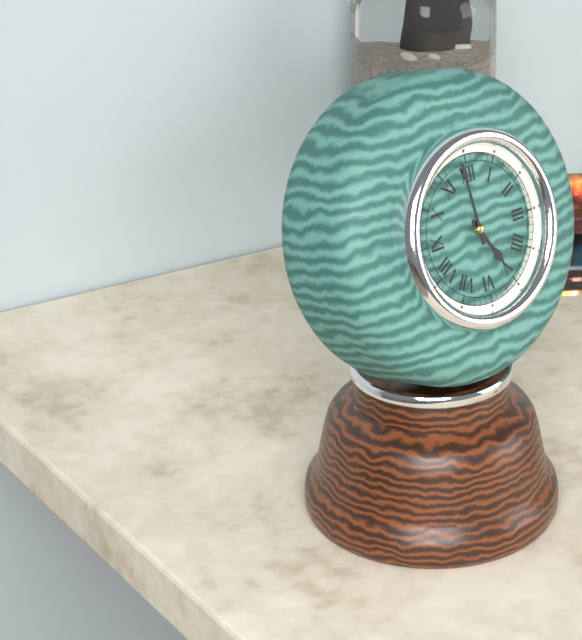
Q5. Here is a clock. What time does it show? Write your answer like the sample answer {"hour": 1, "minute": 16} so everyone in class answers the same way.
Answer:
{"hour": 4, "minute": 59}
